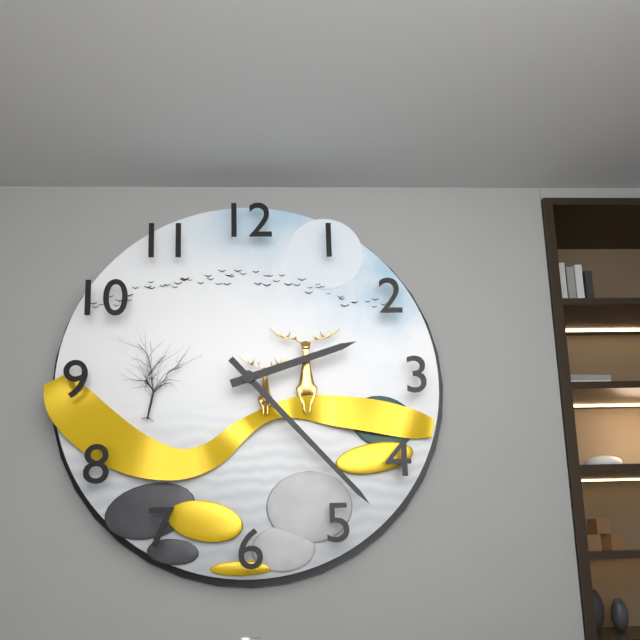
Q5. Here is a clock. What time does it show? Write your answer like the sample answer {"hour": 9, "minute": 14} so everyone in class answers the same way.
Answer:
{"hour": 2, "minute": 23}
